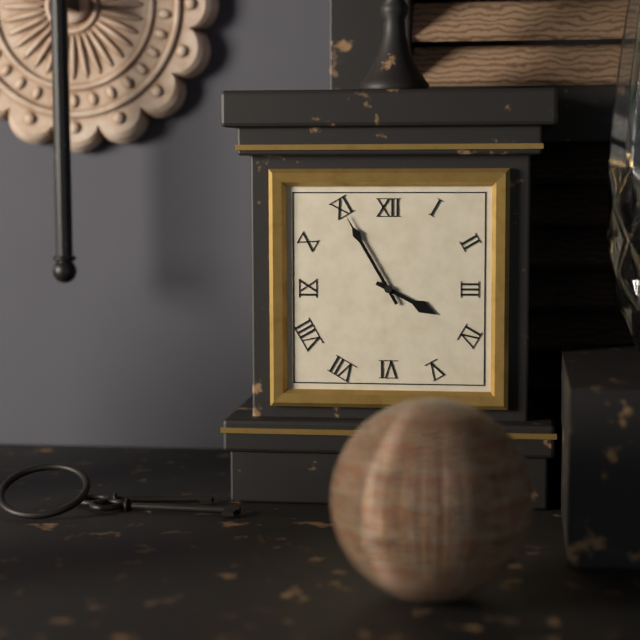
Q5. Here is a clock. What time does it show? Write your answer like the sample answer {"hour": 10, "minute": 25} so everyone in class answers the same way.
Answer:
{"hour": 3, "minute": 55}
